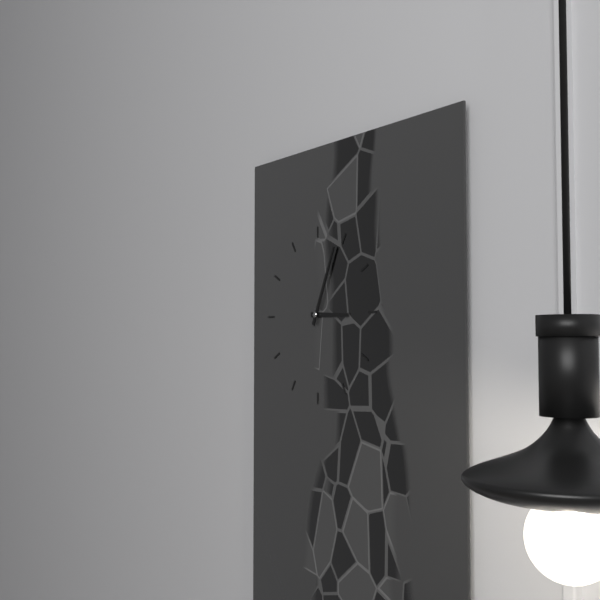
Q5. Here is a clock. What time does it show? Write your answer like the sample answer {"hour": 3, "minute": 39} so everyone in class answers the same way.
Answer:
{"hour": 3, "minute": 4}
